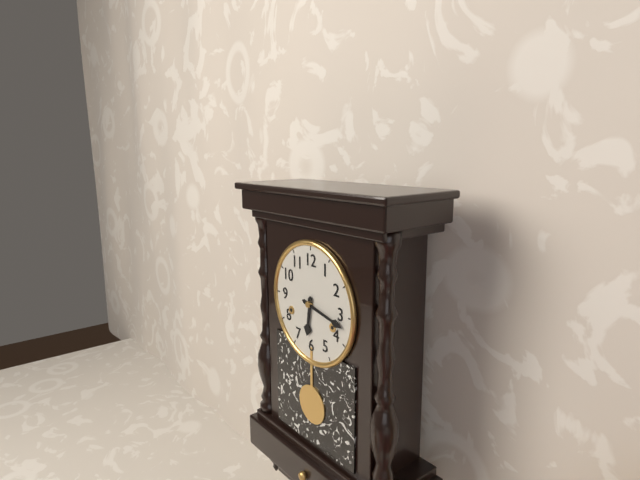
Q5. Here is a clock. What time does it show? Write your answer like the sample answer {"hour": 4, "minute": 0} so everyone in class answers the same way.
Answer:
{"hour": 6, "minute": 17}
